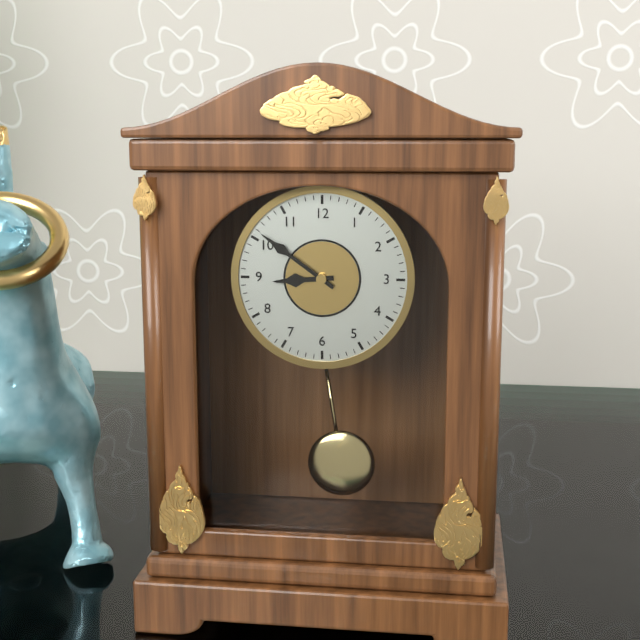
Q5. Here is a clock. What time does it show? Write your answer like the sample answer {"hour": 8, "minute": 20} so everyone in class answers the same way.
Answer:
{"hour": 8, "minute": 51}
